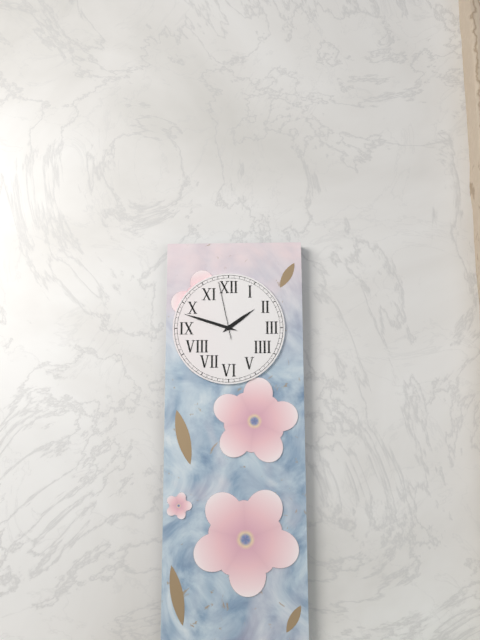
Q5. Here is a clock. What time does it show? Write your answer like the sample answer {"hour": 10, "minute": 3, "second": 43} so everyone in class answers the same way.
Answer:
{"hour": 1, "minute": 48, "second": 58}
